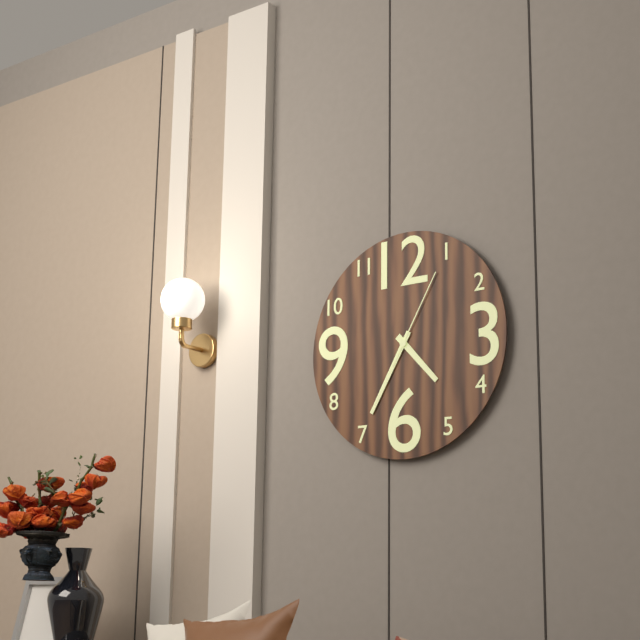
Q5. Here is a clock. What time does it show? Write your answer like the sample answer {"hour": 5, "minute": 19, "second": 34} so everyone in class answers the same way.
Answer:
{"hour": 4, "minute": 35, "second": 5}
